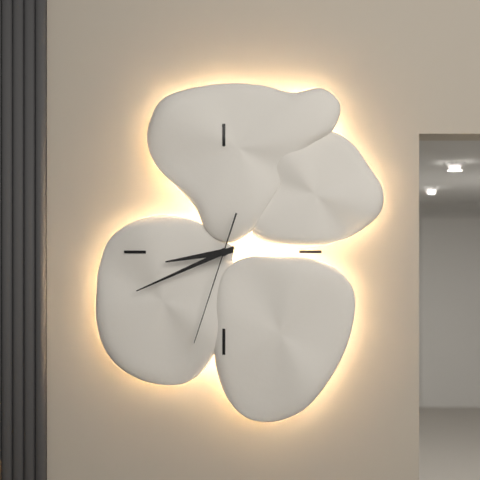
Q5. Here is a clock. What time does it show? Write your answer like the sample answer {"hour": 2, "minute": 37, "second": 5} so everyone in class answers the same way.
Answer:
{"hour": 8, "minute": 41, "second": 33}
